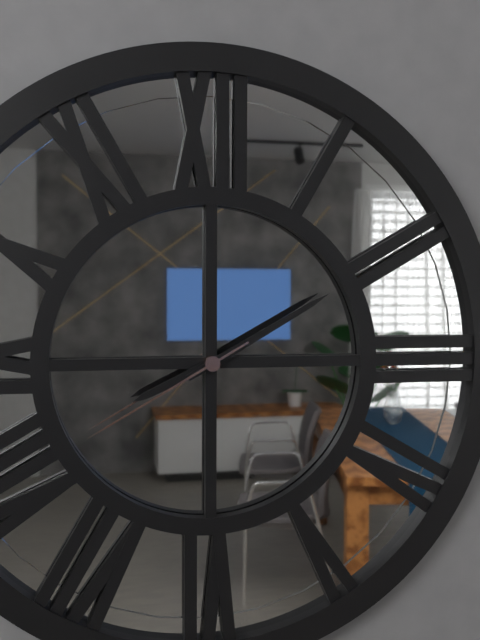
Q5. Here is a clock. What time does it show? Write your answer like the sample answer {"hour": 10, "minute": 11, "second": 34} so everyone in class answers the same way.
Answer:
{"hour": 8, "minute": 10, "second": 40}
